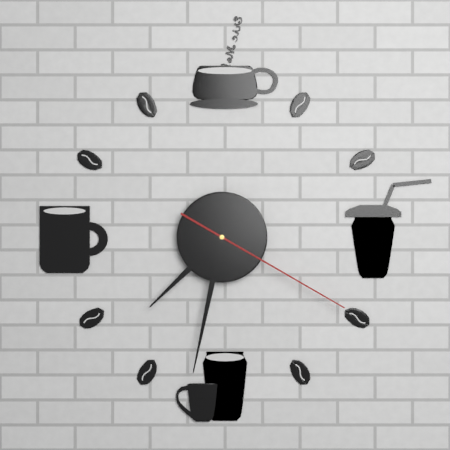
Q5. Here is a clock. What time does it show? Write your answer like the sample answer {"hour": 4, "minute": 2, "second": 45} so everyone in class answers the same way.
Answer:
{"hour": 7, "minute": 32, "second": 20}
